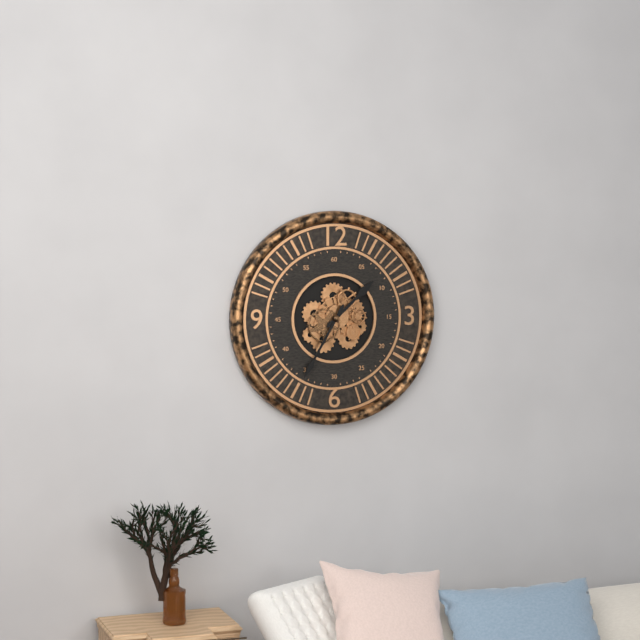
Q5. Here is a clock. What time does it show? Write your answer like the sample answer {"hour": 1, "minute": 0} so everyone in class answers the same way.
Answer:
{"hour": 1, "minute": 35}
